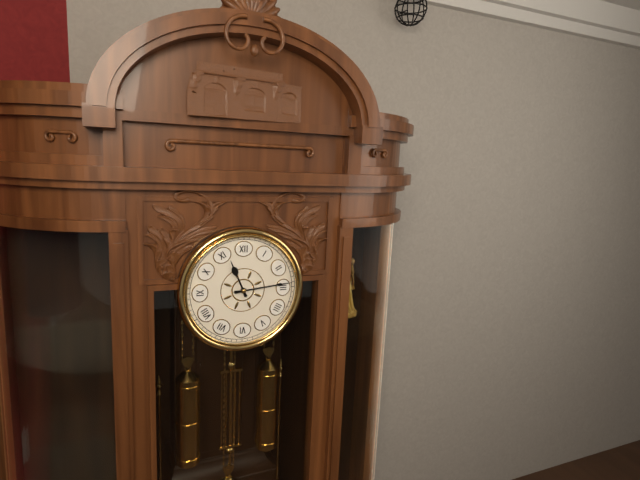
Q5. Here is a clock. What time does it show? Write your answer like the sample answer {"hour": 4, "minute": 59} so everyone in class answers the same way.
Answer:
{"hour": 11, "minute": 14}
